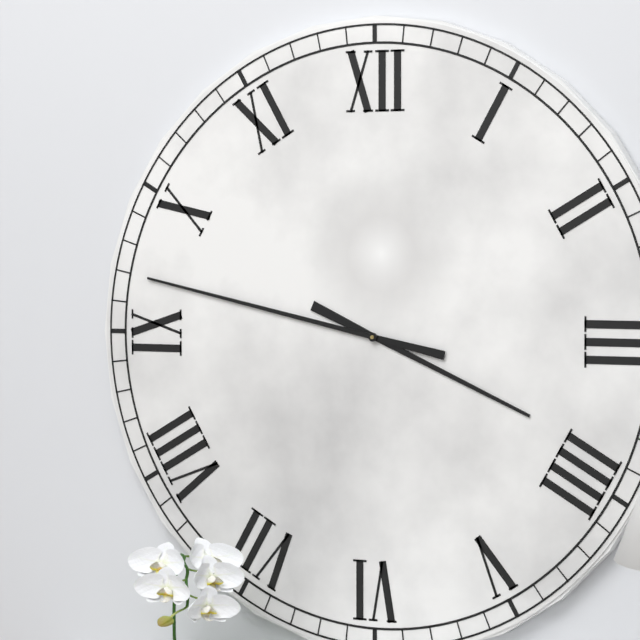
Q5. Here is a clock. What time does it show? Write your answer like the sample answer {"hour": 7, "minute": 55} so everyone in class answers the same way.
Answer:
{"hour": 3, "minute": 47}
